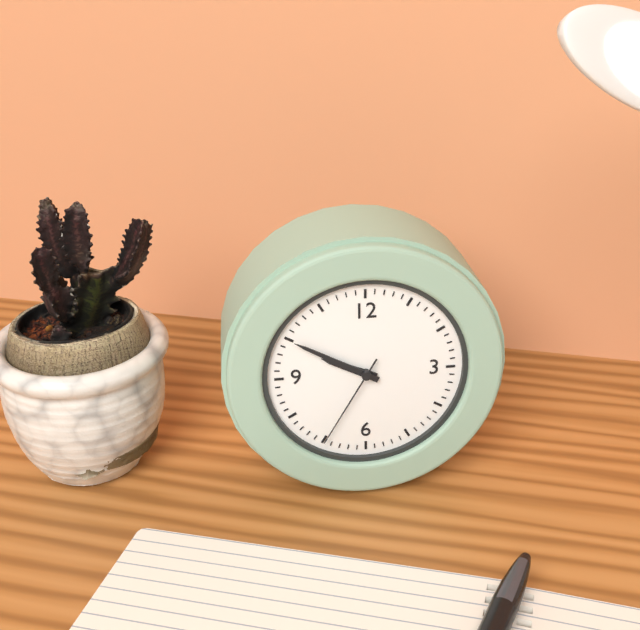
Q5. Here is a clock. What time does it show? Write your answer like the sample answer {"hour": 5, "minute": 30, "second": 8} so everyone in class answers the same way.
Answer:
{"hour": 9, "minute": 50, "second": 35}
